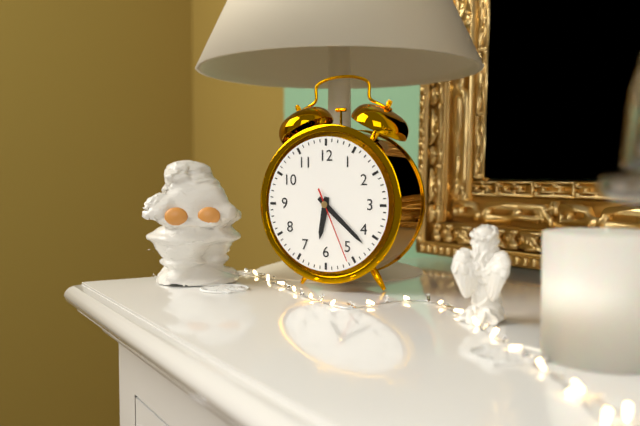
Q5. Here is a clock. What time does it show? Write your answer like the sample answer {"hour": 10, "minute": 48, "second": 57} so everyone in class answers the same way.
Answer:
{"hour": 6, "minute": 22, "second": 26}
